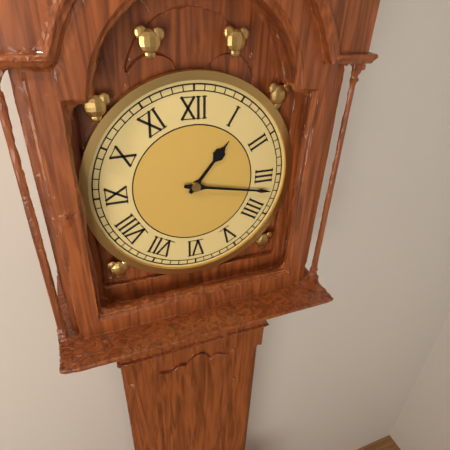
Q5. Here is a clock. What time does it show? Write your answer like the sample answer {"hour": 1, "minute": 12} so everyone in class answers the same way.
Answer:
{"hour": 1, "minute": 17}
